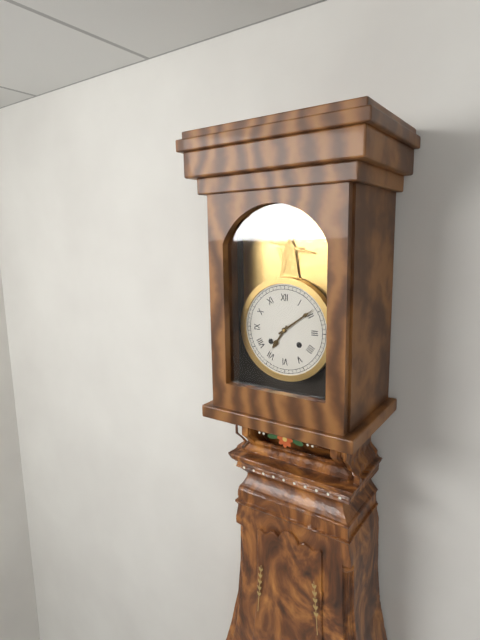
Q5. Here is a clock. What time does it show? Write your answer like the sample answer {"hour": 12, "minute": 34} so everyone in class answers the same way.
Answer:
{"hour": 7, "minute": 9}
